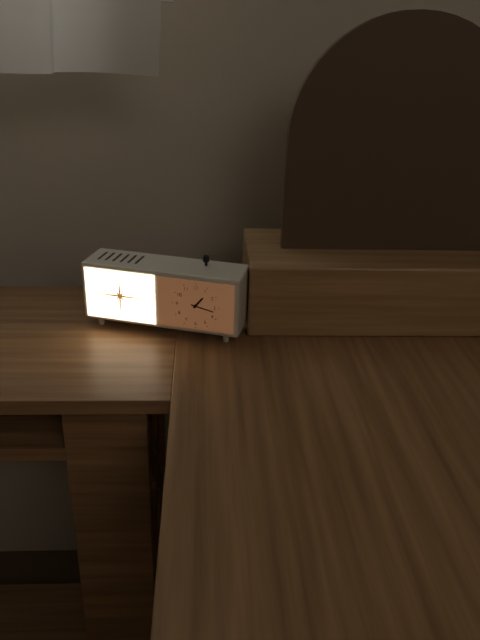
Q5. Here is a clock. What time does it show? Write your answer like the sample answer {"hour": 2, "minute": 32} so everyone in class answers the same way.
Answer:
{"hour": 1, "minute": 17}
